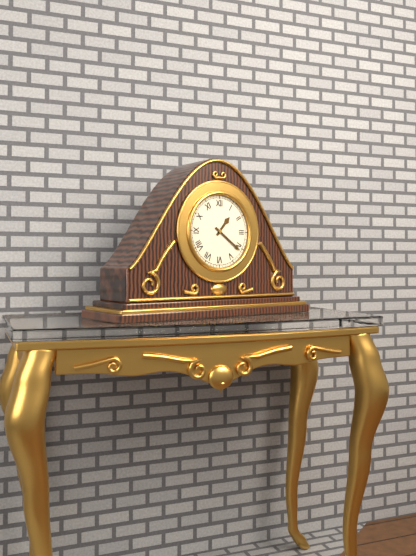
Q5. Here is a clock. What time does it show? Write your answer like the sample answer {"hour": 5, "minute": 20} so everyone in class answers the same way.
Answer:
{"hour": 1, "minute": 21}
